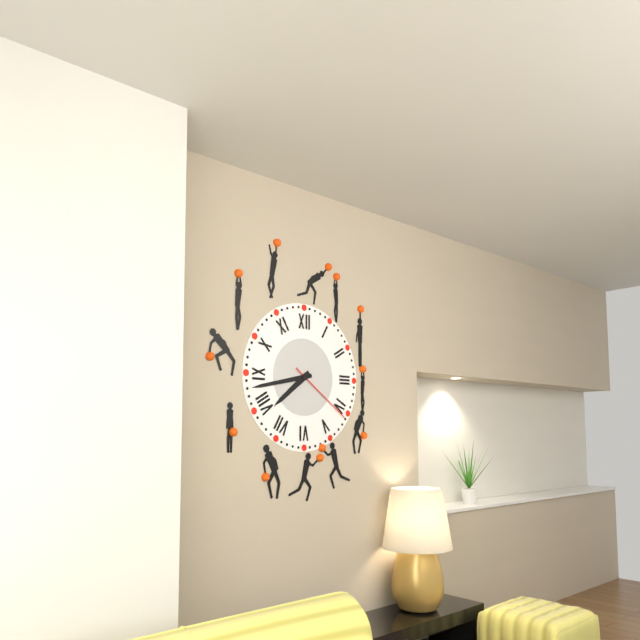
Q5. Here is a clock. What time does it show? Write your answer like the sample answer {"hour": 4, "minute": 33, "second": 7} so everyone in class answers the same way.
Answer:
{"hour": 7, "minute": 43, "second": 21}
